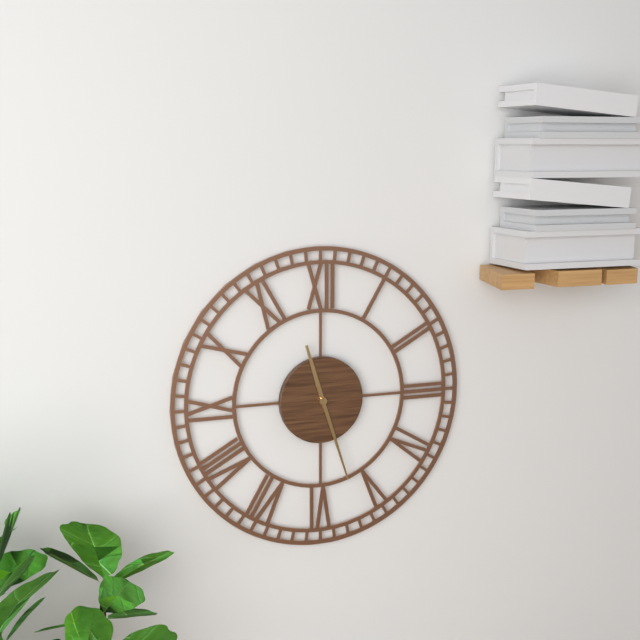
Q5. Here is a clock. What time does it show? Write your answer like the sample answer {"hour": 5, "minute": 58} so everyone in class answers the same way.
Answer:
{"hour": 11, "minute": 27}
